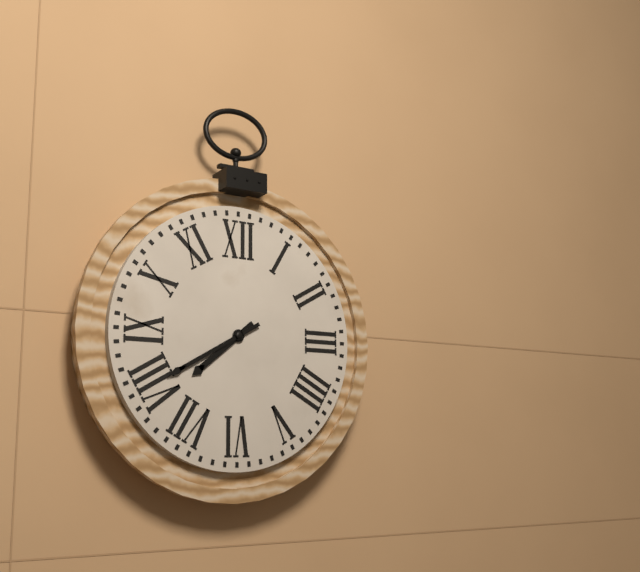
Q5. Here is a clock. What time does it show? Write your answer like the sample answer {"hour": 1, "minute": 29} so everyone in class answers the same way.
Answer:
{"hour": 7, "minute": 40}
